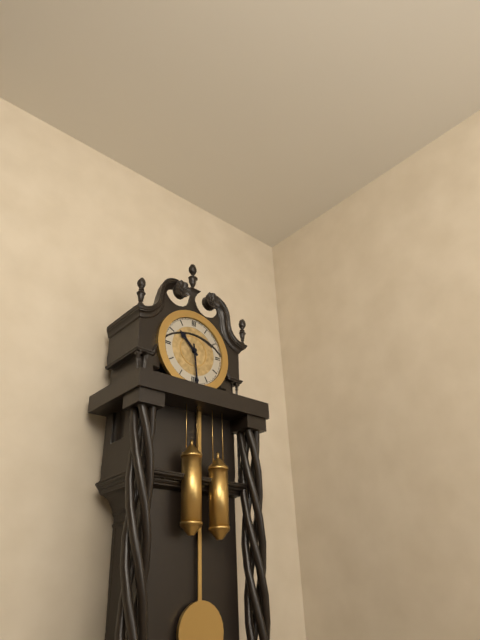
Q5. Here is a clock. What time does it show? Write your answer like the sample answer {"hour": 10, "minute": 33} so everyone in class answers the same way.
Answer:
{"hour": 10, "minute": 29}
